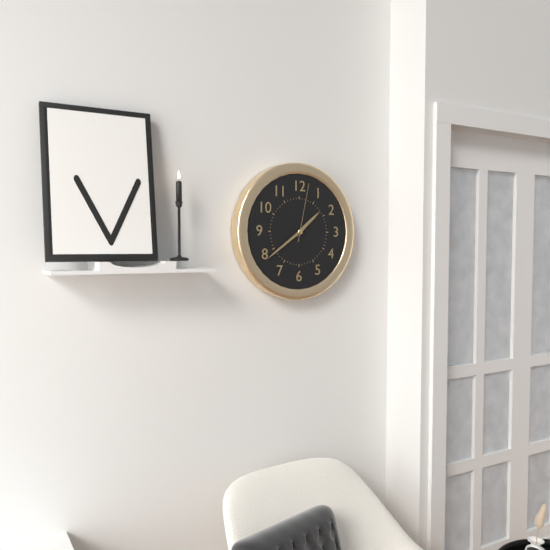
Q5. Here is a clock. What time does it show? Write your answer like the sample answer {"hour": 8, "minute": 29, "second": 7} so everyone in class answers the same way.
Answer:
{"hour": 1, "minute": 39, "second": 2}
